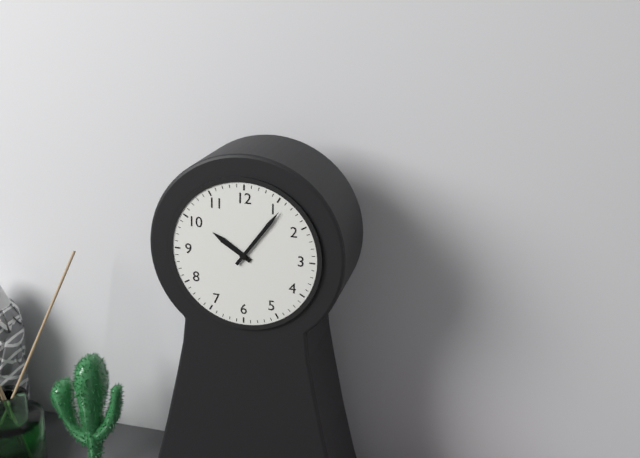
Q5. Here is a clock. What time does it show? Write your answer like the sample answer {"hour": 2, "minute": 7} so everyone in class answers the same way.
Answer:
{"hour": 10, "minute": 6}
